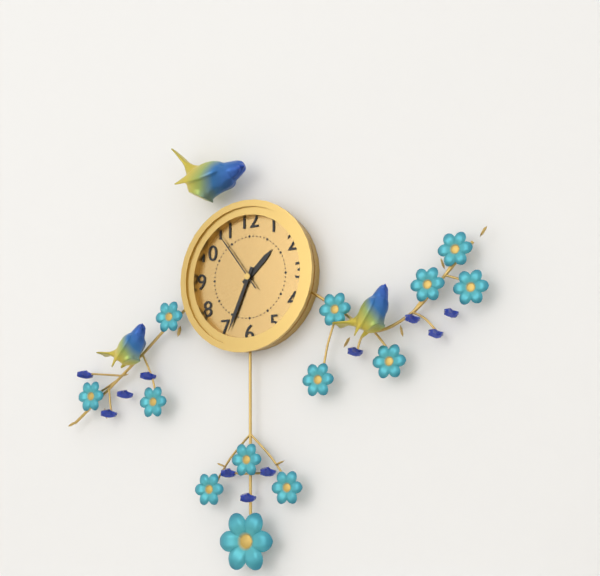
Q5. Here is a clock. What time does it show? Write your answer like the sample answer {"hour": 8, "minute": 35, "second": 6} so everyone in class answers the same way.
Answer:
{"hour": 1, "minute": 34, "second": 54}
